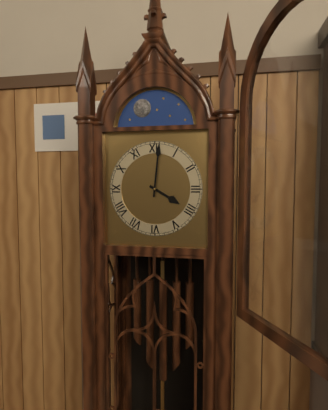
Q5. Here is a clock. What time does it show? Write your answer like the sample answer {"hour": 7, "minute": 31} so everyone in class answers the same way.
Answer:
{"hour": 4, "minute": 1}
